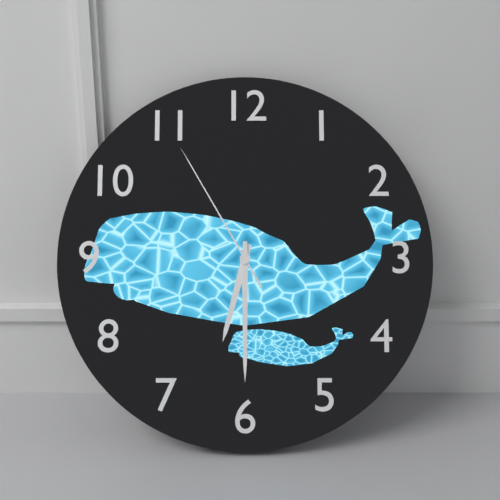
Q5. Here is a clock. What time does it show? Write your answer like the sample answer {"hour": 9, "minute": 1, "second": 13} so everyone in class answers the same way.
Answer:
{"hour": 6, "minute": 30, "second": 55}
